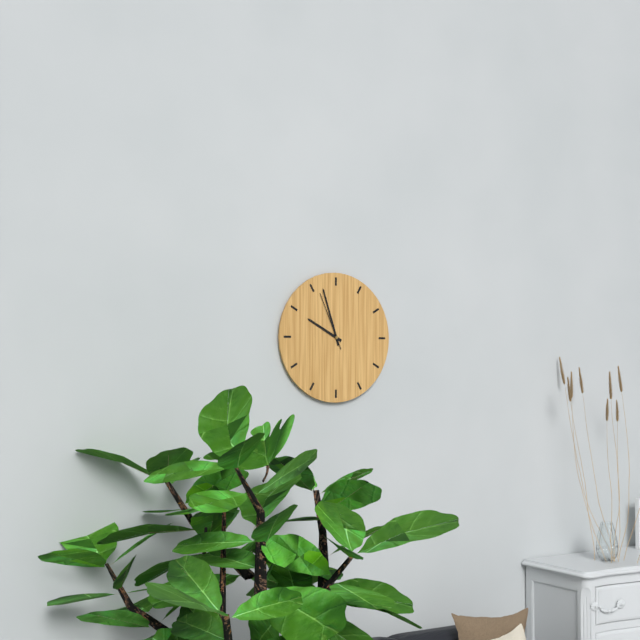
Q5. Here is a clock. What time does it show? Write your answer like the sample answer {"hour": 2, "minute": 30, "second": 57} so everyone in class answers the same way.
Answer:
{"hour": 9, "minute": 57, "second": 56}
